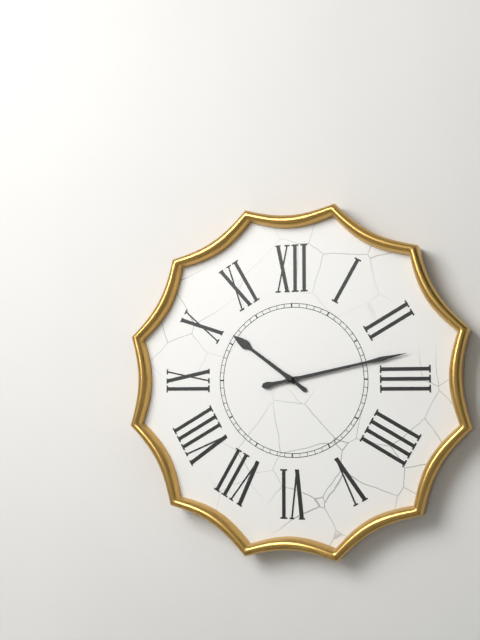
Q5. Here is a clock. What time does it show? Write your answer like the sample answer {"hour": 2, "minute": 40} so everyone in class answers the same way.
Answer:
{"hour": 10, "minute": 13}
